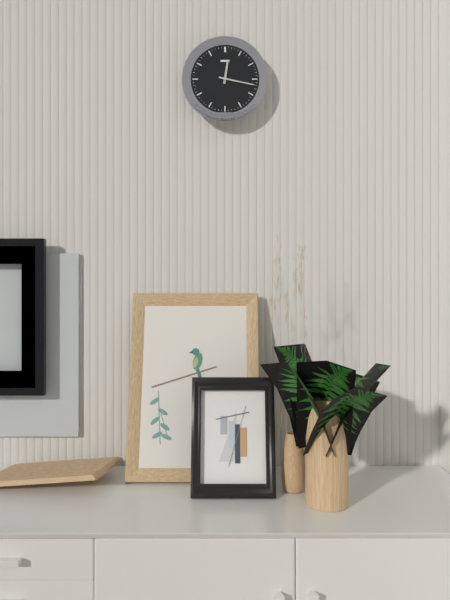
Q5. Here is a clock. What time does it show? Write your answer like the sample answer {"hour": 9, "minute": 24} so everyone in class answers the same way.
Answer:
{"hour": 12, "minute": 17}
